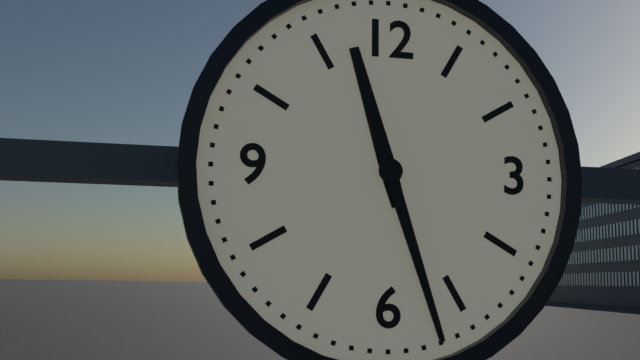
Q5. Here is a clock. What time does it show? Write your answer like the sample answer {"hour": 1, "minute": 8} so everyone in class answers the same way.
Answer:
{"hour": 11, "minute": 27}
